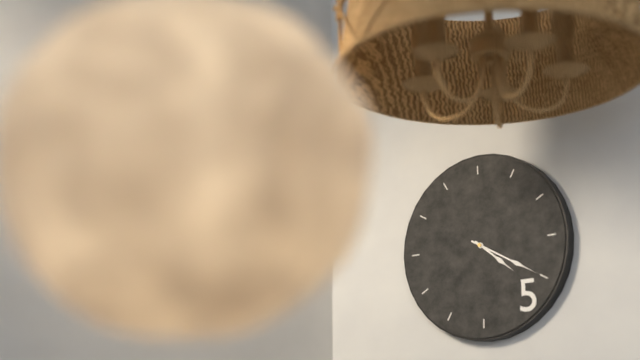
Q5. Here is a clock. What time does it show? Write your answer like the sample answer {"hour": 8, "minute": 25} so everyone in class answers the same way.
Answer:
{"hour": 4, "minute": 20}
